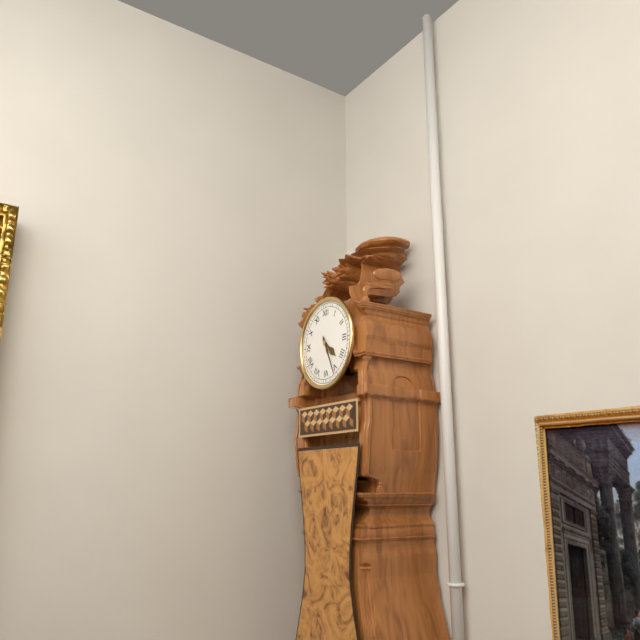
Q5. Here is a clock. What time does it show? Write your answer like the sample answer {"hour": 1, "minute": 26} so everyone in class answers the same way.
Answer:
{"hour": 4, "minute": 26}
